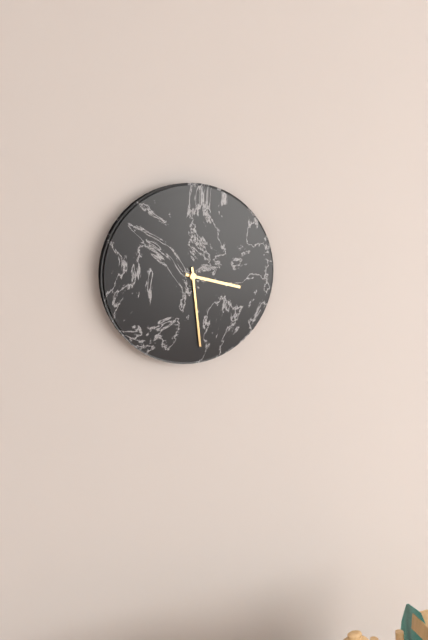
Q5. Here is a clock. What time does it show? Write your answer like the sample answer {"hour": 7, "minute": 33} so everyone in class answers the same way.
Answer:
{"hour": 3, "minute": 29}
